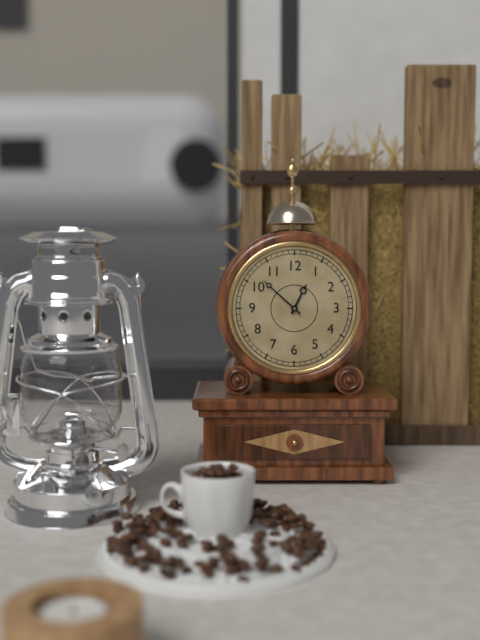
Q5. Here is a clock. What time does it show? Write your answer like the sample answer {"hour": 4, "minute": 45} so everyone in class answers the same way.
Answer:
{"hour": 12, "minute": 52}
